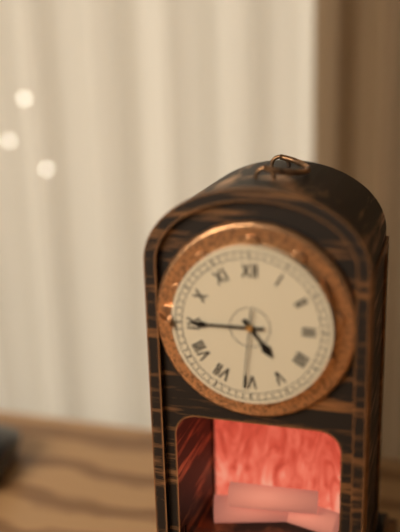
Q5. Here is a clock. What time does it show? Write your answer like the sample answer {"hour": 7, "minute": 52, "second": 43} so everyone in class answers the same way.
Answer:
{"hour": 4, "minute": 45, "second": 31}
